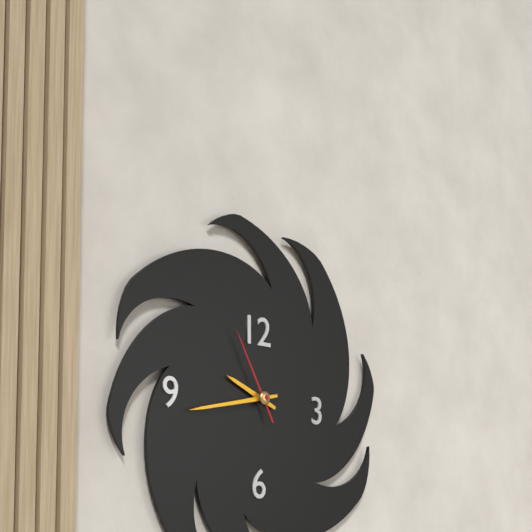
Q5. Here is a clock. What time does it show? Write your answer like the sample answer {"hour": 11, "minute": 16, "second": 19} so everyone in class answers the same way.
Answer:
{"hour": 9, "minute": 43, "second": 55}
